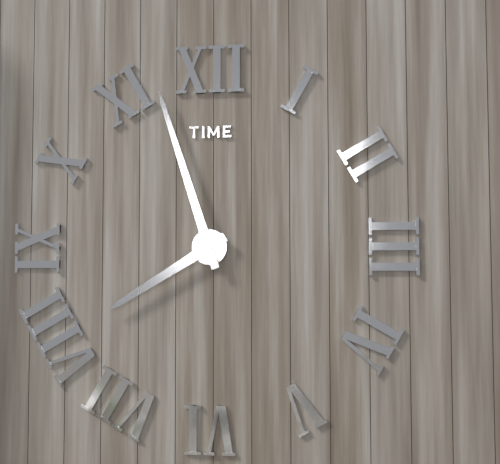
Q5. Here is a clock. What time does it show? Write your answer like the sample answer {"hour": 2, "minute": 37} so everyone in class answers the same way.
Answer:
{"hour": 7, "minute": 57}
